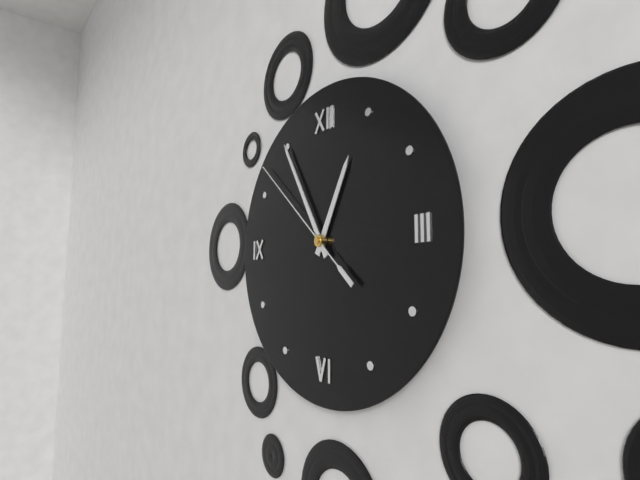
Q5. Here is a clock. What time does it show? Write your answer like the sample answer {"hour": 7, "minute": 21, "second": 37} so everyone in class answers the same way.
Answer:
{"hour": 12, "minute": 55, "second": 52}
